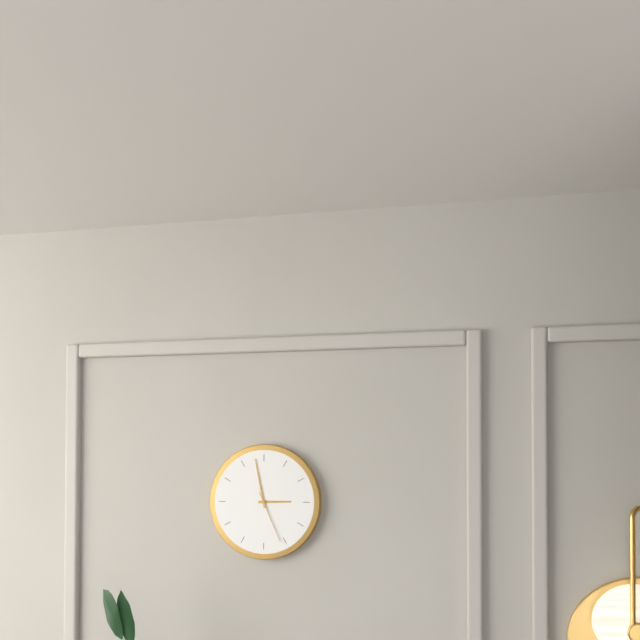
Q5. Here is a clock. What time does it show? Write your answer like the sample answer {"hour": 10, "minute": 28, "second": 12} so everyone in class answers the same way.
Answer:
{"hour": 2, "minute": 58, "second": 26}
